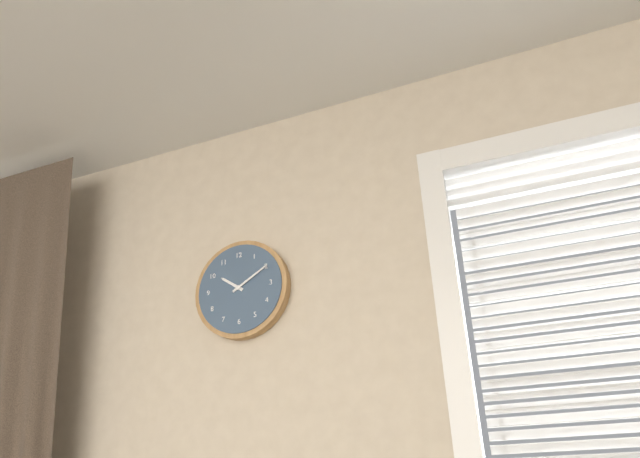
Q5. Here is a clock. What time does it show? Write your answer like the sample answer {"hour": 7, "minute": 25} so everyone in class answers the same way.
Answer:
{"hour": 10, "minute": 10}
